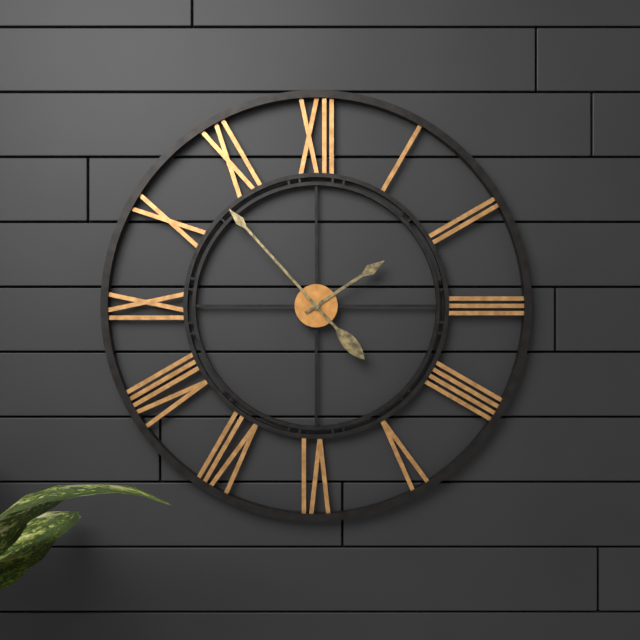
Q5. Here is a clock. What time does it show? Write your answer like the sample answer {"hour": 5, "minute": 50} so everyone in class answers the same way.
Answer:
{"hour": 1, "minute": 53}
